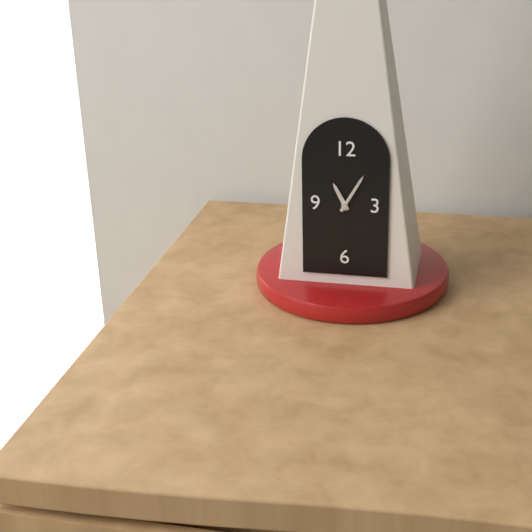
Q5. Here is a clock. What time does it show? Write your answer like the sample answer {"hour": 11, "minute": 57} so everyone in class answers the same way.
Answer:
{"hour": 11, "minute": 5}
